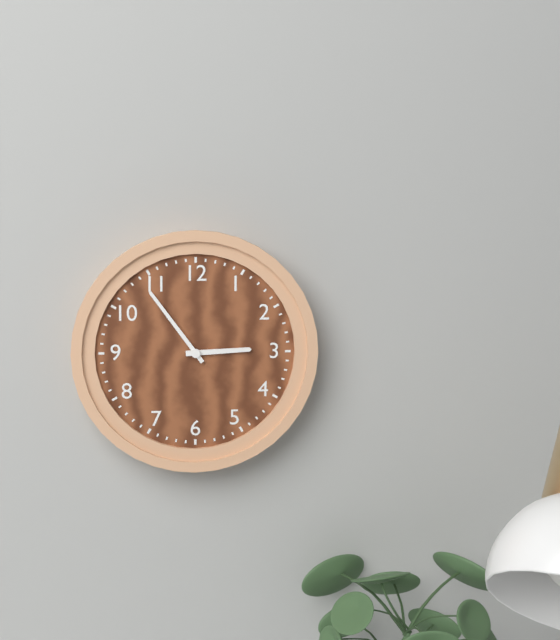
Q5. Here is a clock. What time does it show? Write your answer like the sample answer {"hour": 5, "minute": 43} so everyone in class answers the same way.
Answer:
{"hour": 2, "minute": 54}
